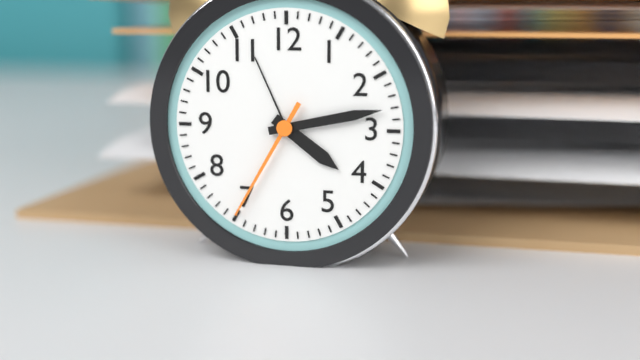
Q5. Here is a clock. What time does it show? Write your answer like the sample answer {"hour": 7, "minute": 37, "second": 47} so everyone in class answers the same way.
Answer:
{"hour": 4, "minute": 13, "second": 35}
